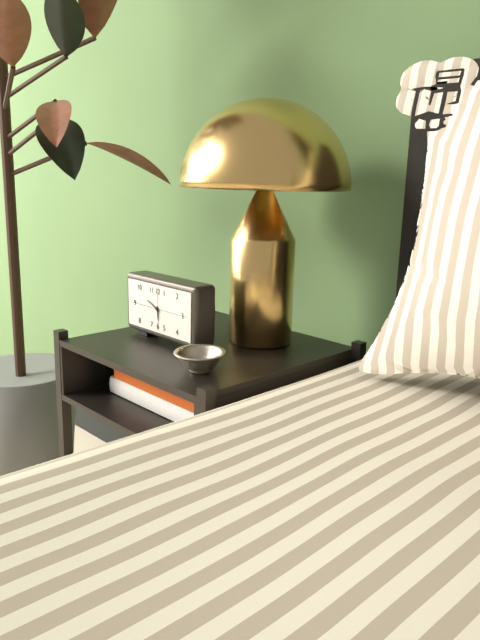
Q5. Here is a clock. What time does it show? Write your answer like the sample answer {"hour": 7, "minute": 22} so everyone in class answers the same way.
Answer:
{"hour": 5, "minute": 49}
